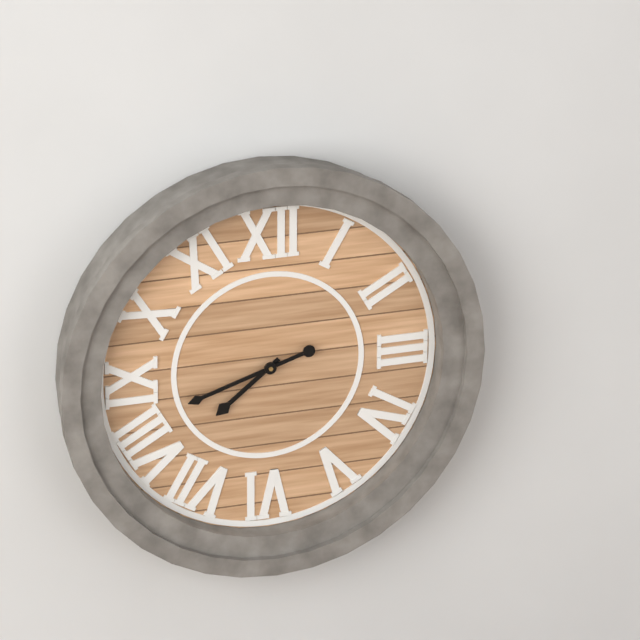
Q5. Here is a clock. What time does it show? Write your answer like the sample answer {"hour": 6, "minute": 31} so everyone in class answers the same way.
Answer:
{"hour": 7, "minute": 42}
